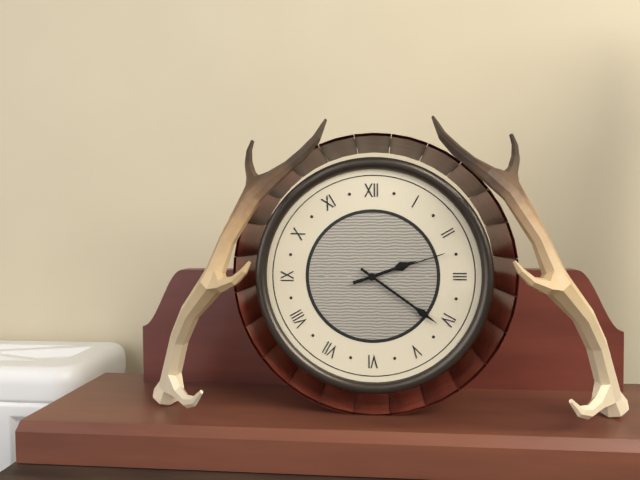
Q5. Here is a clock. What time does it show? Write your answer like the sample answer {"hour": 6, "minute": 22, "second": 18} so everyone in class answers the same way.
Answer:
{"hour": 2, "minute": 21, "second": 12}
